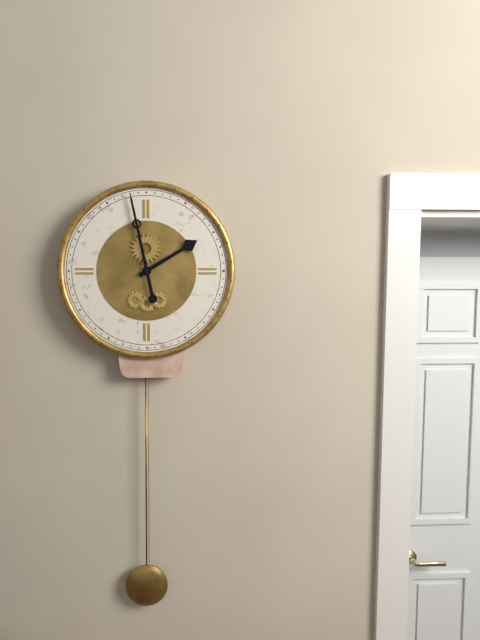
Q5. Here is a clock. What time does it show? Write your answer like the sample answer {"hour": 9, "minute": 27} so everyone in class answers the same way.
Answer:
{"hour": 1, "minute": 58}
